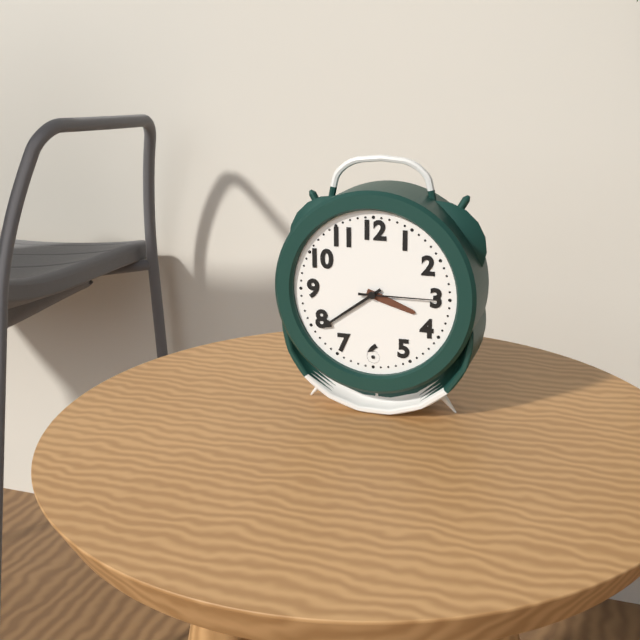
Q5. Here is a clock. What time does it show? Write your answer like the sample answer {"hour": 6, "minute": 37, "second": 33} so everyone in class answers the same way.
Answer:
{"hour": 3, "minute": 39, "second": 15}
